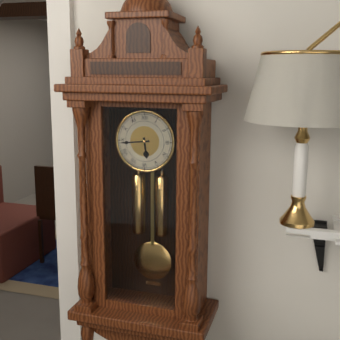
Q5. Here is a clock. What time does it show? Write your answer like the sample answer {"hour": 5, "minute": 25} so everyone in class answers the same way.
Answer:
{"hour": 5, "minute": 44}
